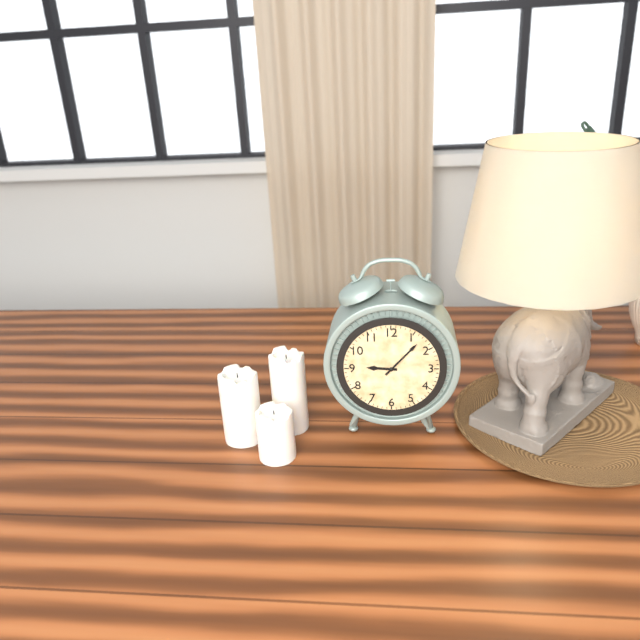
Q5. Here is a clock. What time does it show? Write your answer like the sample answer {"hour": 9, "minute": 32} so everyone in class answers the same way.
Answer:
{"hour": 9, "minute": 7}
